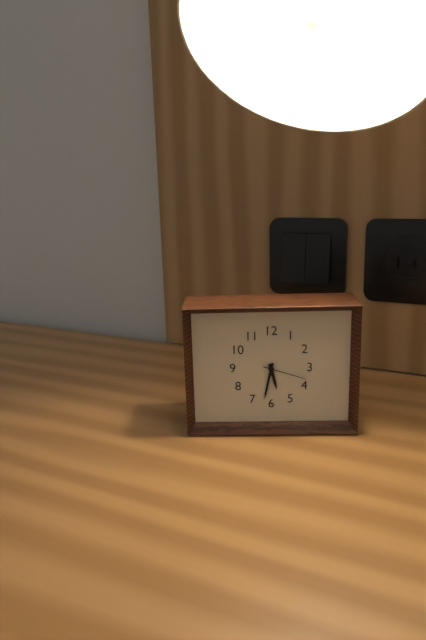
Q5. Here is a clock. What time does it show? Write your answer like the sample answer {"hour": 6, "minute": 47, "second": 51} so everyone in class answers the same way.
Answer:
{"hour": 5, "minute": 32, "second": 18}
